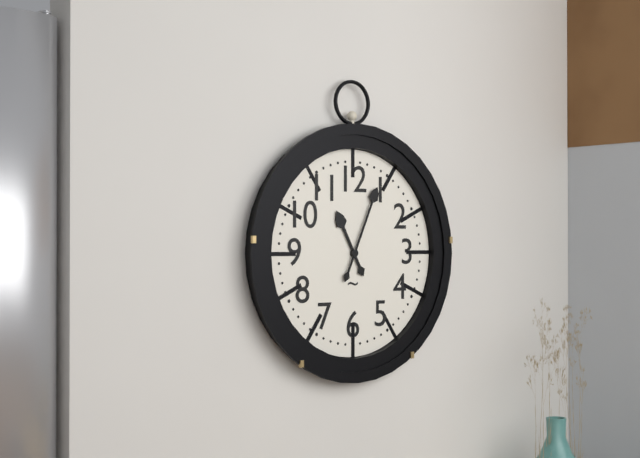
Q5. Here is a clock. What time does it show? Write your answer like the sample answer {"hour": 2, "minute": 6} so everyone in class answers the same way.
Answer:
{"hour": 11, "minute": 4}
